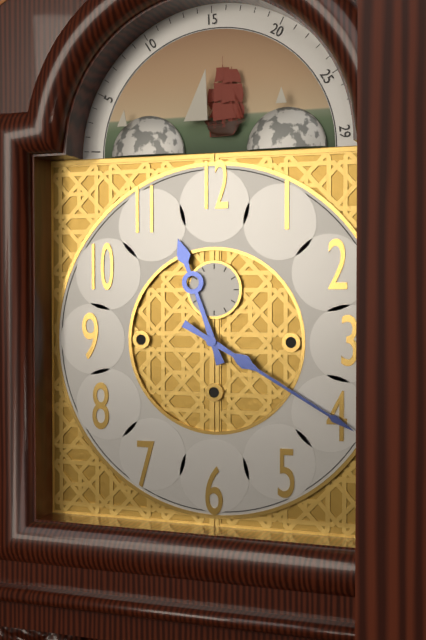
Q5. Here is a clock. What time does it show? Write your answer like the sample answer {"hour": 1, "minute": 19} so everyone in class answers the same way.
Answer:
{"hour": 11, "minute": 20}
